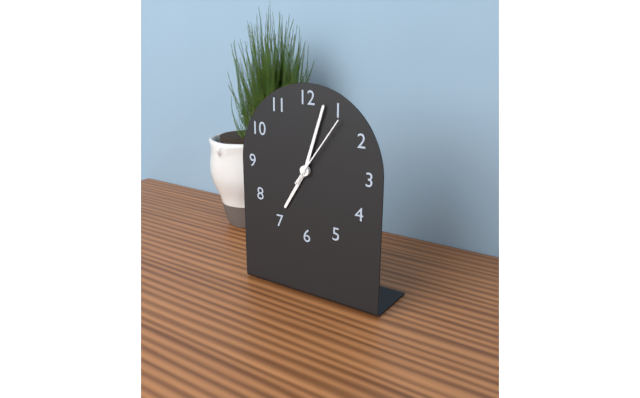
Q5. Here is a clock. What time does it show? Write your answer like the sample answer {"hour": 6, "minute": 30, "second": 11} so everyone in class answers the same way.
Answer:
{"hour": 7, "minute": 3, "second": 6}
